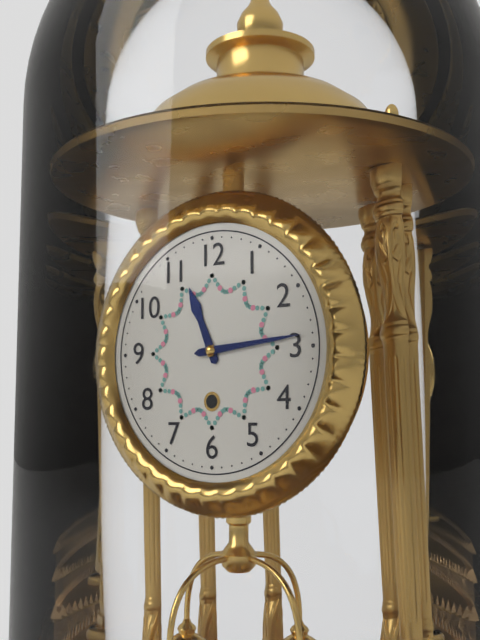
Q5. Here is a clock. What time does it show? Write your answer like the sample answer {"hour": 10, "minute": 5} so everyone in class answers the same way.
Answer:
{"hour": 11, "minute": 14}
